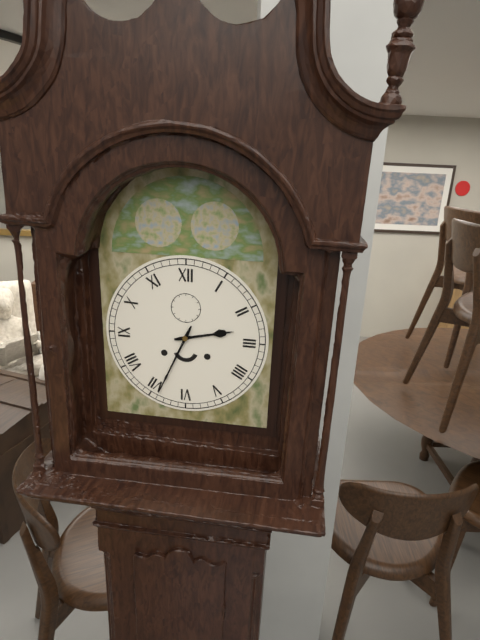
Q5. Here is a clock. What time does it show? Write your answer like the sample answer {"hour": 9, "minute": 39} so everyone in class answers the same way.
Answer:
{"hour": 2, "minute": 34}
